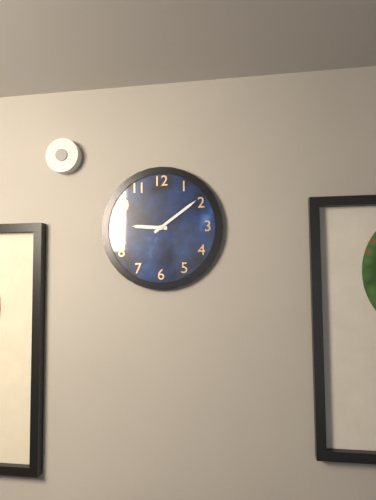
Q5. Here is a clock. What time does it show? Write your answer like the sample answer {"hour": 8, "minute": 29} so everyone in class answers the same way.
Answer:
{"hour": 9, "minute": 9}
